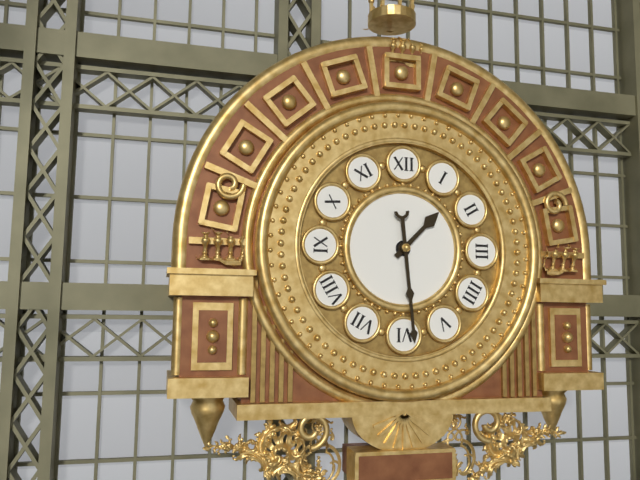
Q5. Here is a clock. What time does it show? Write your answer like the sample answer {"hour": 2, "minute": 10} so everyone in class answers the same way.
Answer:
{"hour": 1, "minute": 29}
